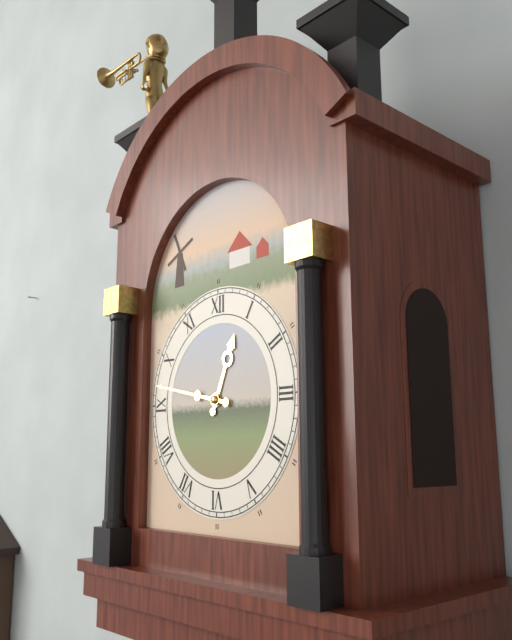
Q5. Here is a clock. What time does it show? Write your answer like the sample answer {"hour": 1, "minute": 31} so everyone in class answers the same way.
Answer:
{"hour": 12, "minute": 47}
